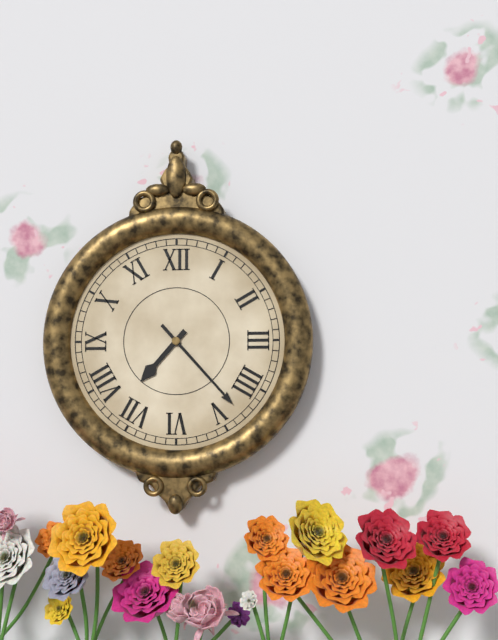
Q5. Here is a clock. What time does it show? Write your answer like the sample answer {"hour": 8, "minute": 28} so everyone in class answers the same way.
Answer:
{"hour": 7, "minute": 23}
